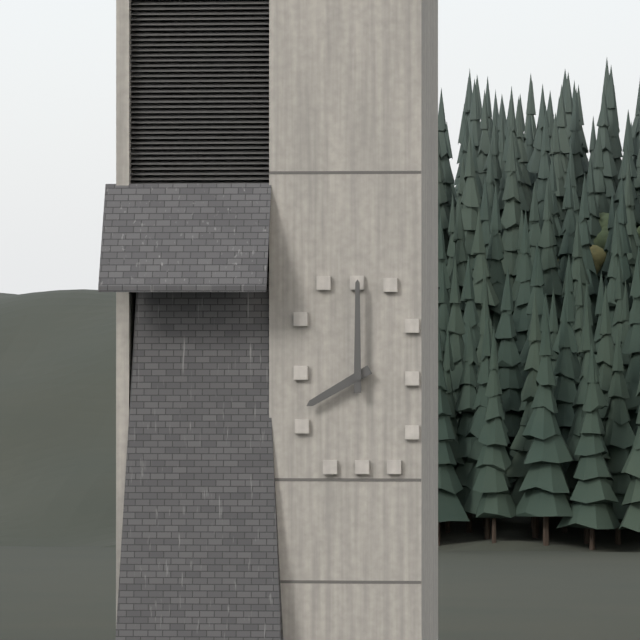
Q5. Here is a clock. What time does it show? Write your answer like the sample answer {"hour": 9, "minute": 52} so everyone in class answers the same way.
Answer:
{"hour": 8, "minute": 0}
